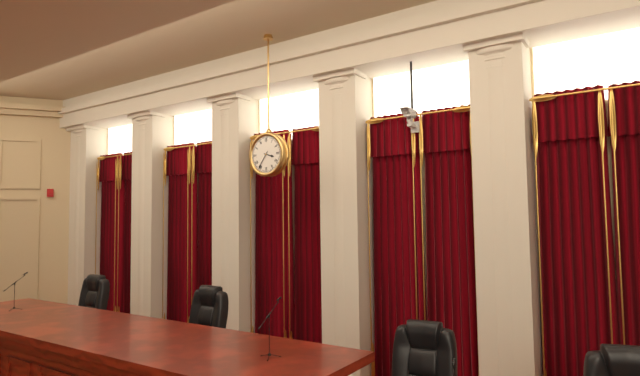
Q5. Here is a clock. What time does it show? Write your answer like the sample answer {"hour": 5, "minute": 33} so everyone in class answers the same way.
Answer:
{"hour": 3, "minute": 36}
